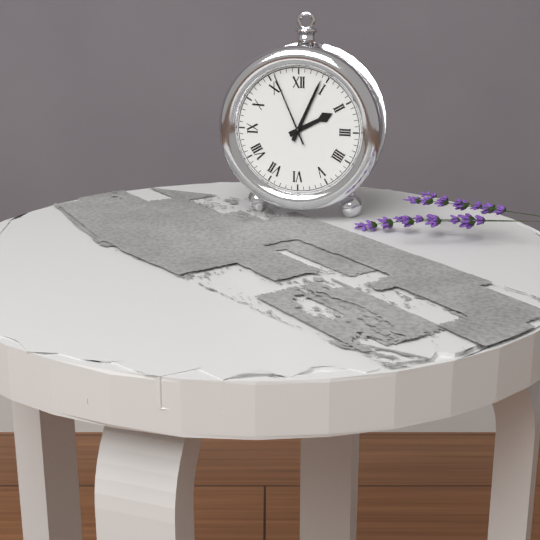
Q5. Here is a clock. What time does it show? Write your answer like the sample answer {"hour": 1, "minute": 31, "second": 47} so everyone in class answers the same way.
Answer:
{"hour": 2, "minute": 4, "second": 56}
